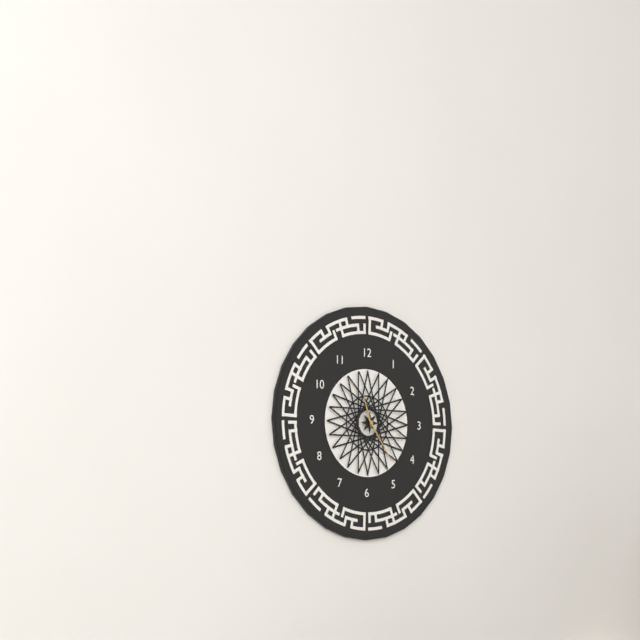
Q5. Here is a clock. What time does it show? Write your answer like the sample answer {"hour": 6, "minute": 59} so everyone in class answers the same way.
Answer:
{"hour": 11, "minute": 24}
